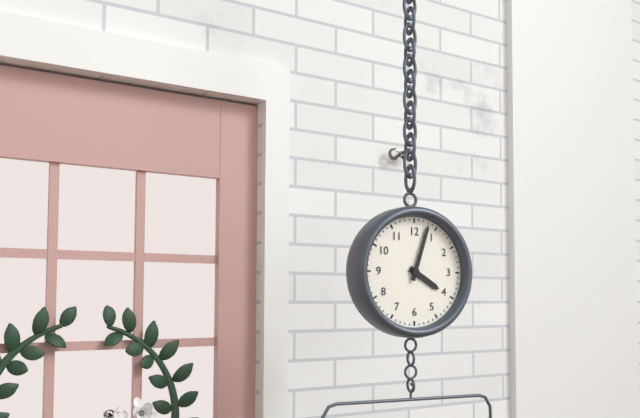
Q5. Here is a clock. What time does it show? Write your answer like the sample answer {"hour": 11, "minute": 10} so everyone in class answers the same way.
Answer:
{"hour": 4, "minute": 3}
